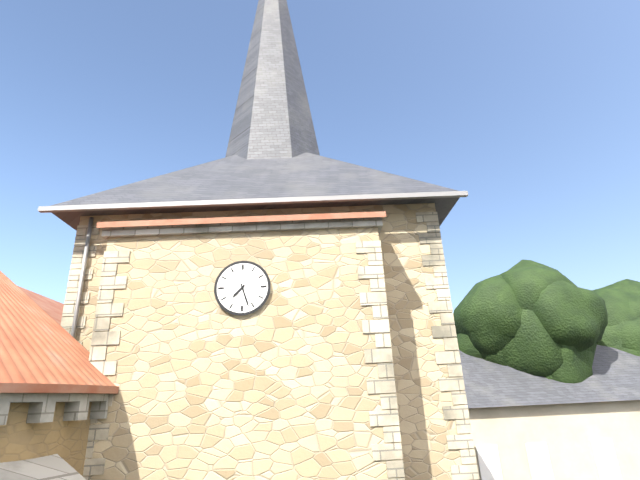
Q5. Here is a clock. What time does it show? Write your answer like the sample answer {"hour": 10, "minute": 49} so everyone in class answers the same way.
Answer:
{"hour": 7, "minute": 27}
